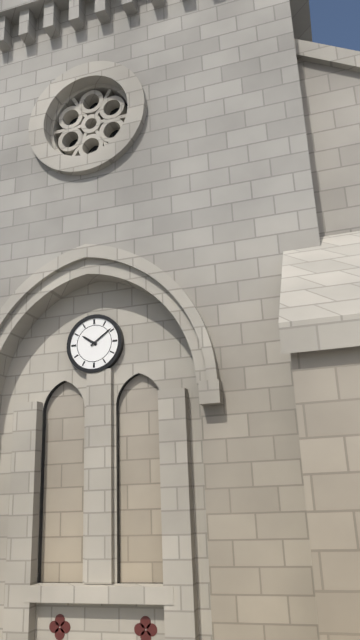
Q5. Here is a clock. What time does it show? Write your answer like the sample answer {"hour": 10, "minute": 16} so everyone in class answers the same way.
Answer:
{"hour": 10, "minute": 9}
